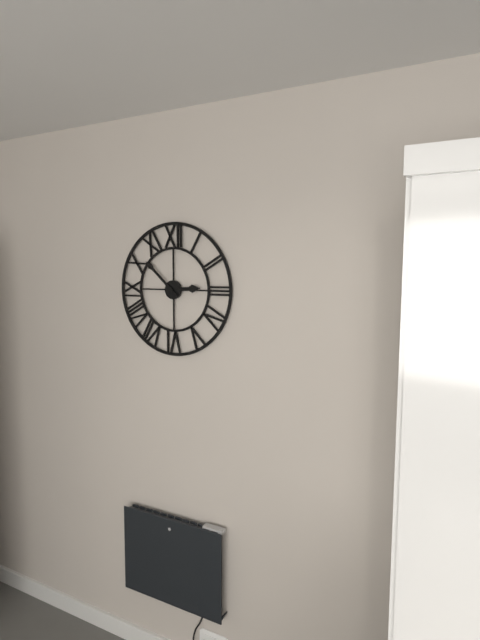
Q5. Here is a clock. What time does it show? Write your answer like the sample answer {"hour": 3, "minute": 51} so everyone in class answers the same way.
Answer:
{"hour": 2, "minute": 52}
